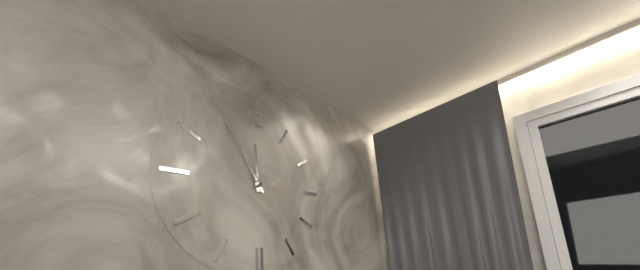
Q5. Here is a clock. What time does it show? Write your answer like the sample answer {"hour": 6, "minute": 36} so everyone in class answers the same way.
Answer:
{"hour": 11, "minute": 55}
